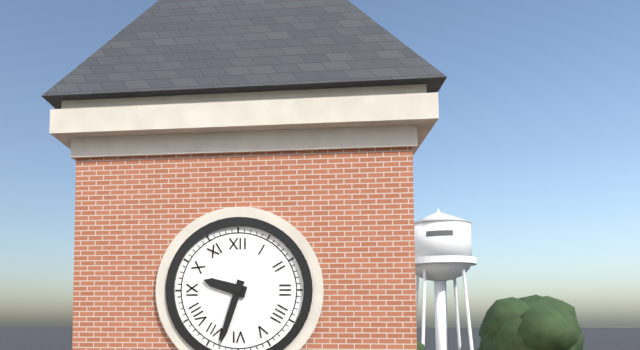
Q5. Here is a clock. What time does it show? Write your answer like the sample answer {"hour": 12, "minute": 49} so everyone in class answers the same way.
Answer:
{"hour": 9, "minute": 33}
